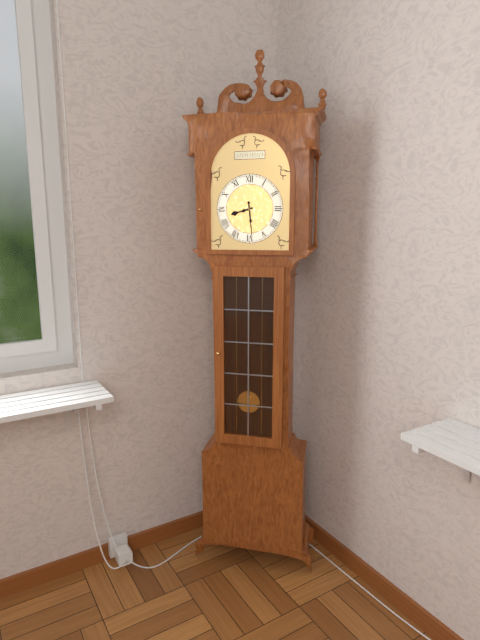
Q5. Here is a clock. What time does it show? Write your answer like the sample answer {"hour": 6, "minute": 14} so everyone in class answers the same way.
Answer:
{"hour": 8, "minute": 29}
